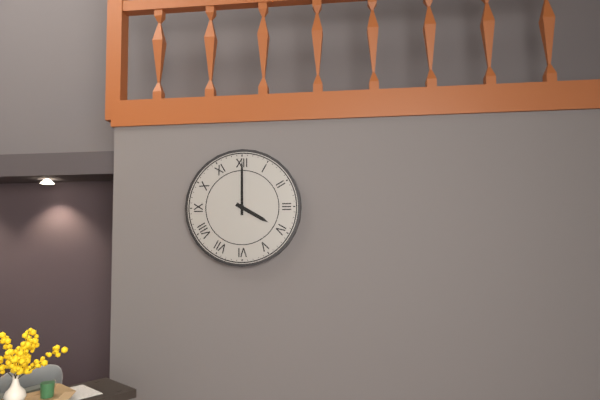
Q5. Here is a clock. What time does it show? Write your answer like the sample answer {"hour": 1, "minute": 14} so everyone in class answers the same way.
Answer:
{"hour": 4, "minute": 0}
